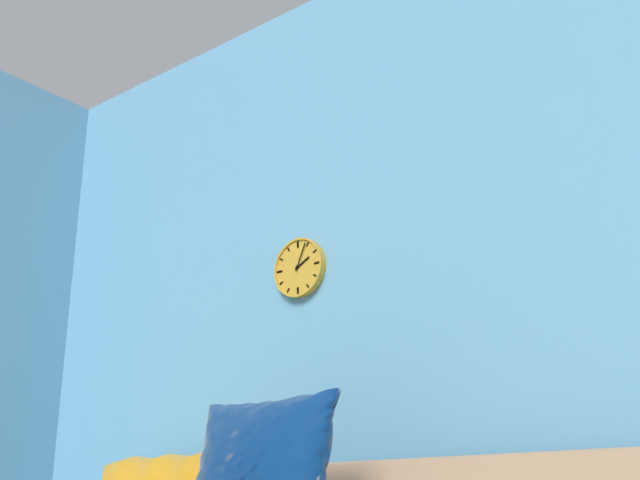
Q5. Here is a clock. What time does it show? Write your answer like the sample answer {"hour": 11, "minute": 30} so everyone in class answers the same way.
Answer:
{"hour": 2, "minute": 4}
